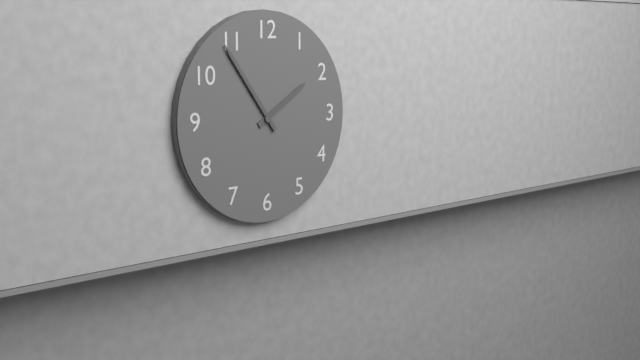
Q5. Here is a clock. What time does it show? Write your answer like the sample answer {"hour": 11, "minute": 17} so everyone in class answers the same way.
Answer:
{"hour": 1, "minute": 54}
